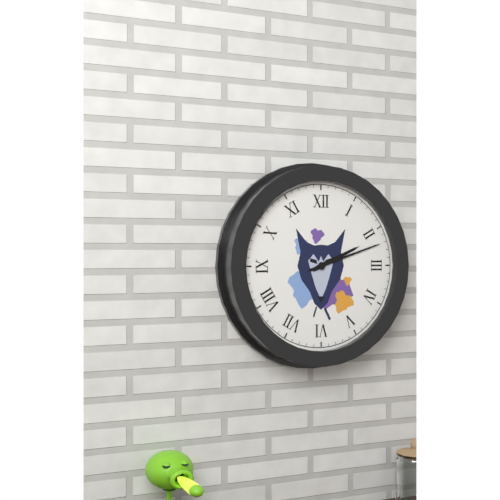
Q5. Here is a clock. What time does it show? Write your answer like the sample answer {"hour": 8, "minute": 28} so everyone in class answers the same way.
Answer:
{"hour": 2, "minute": 12}
